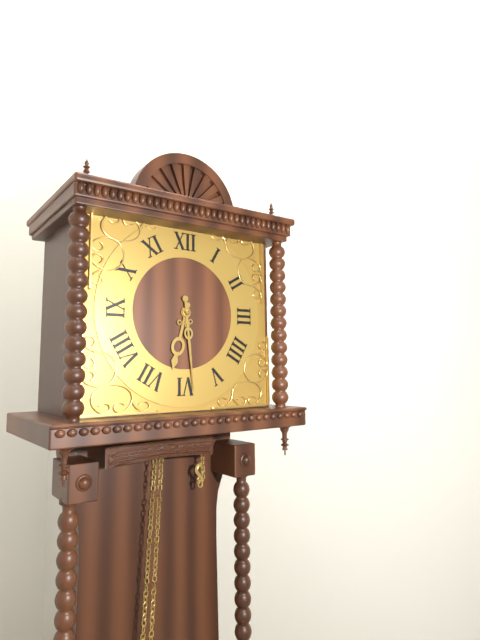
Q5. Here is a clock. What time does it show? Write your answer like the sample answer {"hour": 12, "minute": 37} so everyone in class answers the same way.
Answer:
{"hour": 6, "minute": 29}
